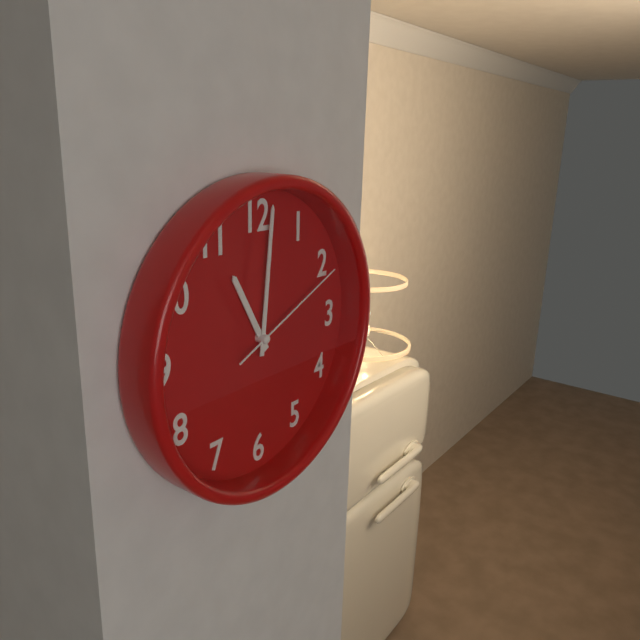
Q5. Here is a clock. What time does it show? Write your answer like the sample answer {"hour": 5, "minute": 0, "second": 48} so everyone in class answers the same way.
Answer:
{"hour": 11, "minute": 1, "second": 11}
